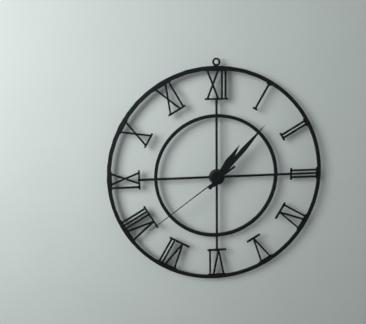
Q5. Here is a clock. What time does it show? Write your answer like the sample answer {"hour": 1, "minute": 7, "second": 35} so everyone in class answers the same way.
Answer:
{"hour": 1, "minute": 7, "second": 39}
